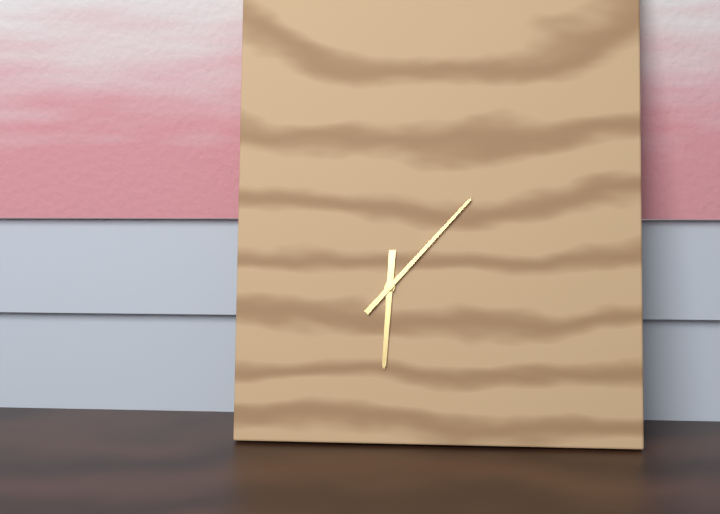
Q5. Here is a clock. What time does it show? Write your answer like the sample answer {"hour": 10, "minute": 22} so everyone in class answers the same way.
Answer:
{"hour": 6, "minute": 7}
